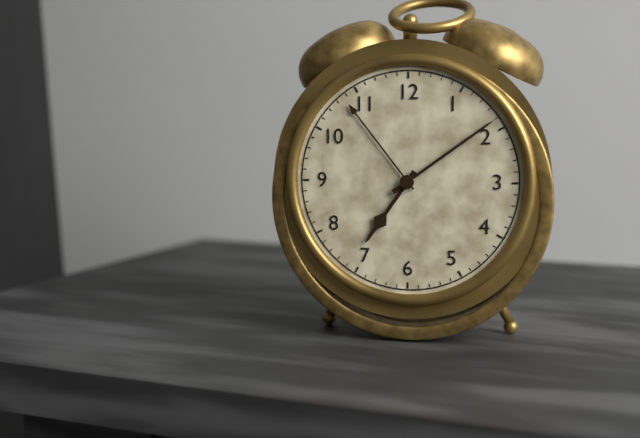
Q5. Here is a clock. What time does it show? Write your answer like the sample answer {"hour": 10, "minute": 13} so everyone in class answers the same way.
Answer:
{"hour": 7, "minute": 9}
